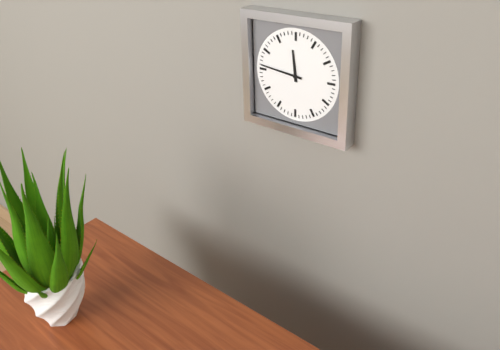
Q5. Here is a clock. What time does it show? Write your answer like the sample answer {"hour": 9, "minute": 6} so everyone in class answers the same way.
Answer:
{"hour": 11, "minute": 46}
